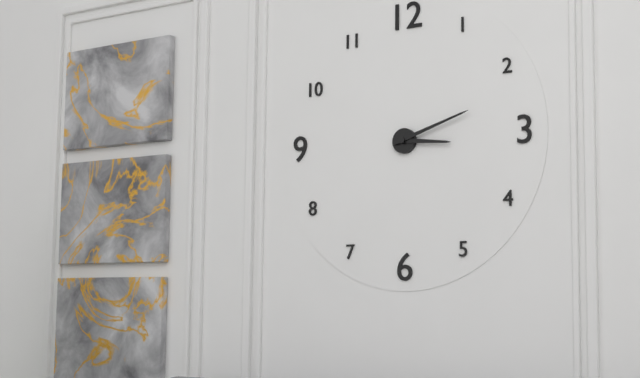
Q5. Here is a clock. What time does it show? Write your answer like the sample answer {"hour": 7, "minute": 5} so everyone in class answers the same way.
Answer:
{"hour": 3, "minute": 12}
